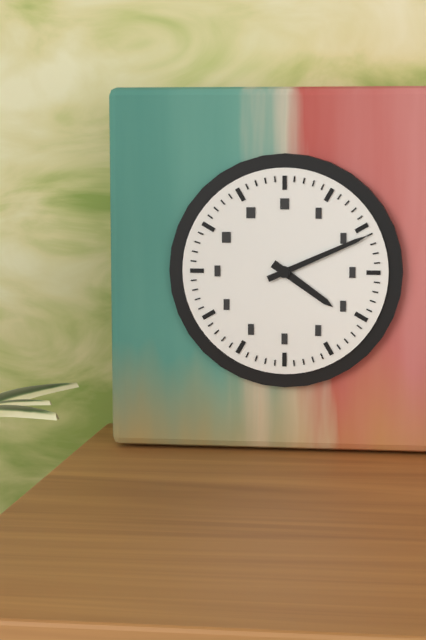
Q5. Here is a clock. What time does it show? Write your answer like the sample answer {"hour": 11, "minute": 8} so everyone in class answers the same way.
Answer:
{"hour": 4, "minute": 11}
